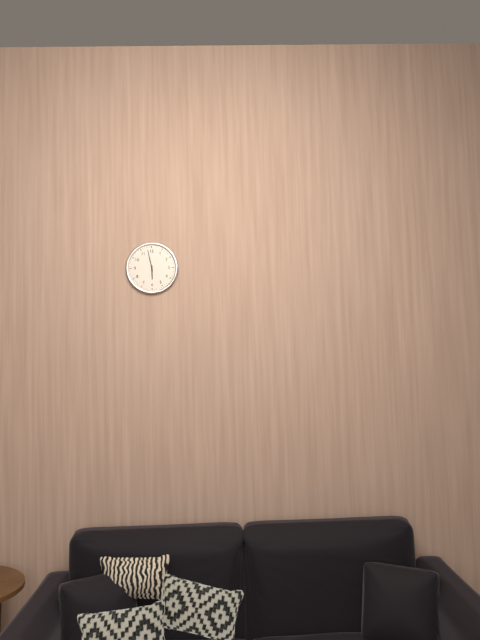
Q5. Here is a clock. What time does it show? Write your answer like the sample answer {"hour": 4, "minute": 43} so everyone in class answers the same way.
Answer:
{"hour": 5, "minute": 58}
